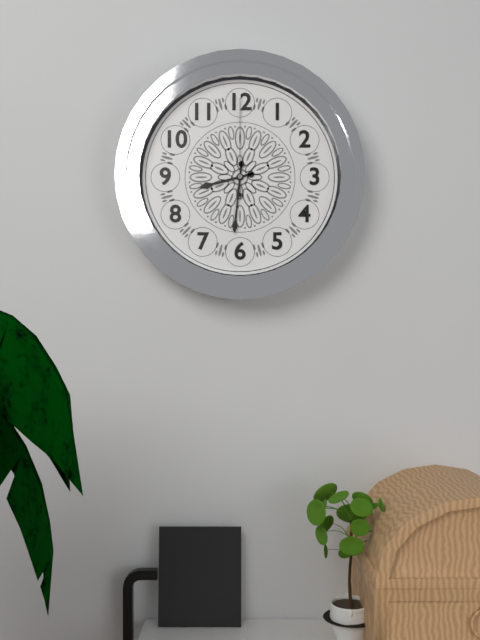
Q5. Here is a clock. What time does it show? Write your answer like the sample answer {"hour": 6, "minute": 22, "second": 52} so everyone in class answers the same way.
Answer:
{"hour": 8, "minute": 31, "second": 0}
